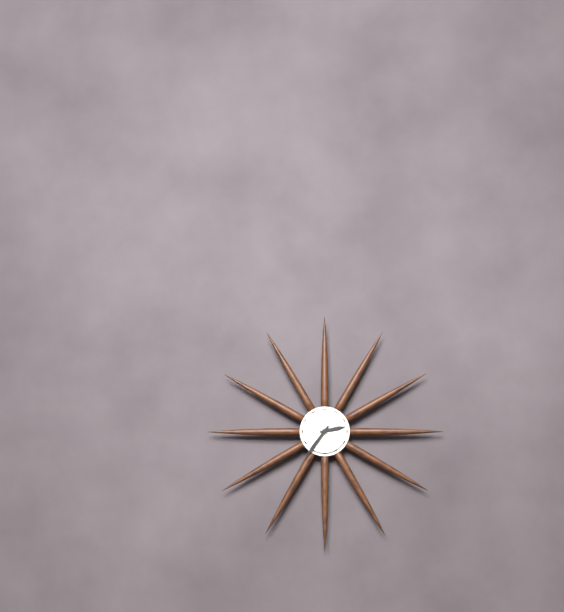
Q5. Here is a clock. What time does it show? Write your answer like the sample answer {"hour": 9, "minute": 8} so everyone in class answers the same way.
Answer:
{"hour": 2, "minute": 36}
